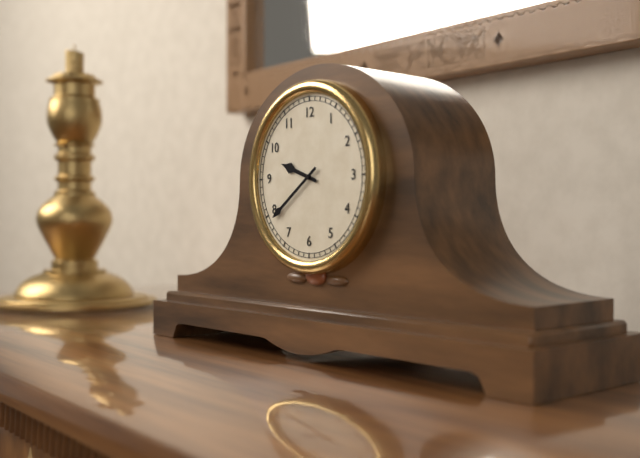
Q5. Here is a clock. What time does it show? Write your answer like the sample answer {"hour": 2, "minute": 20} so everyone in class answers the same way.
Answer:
{"hour": 9, "minute": 39}
